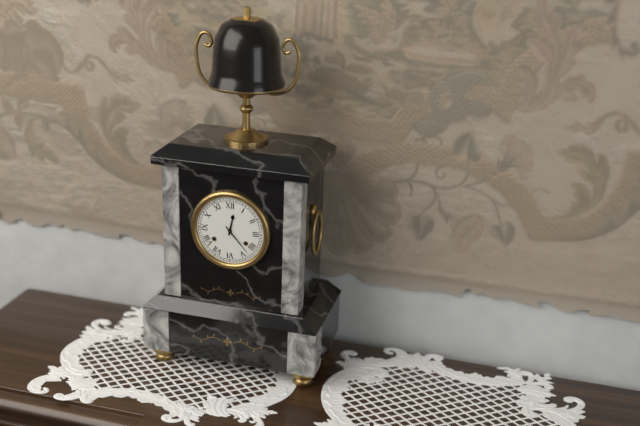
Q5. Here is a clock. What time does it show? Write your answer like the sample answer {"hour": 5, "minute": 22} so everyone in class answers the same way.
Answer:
{"hour": 12, "minute": 23}
